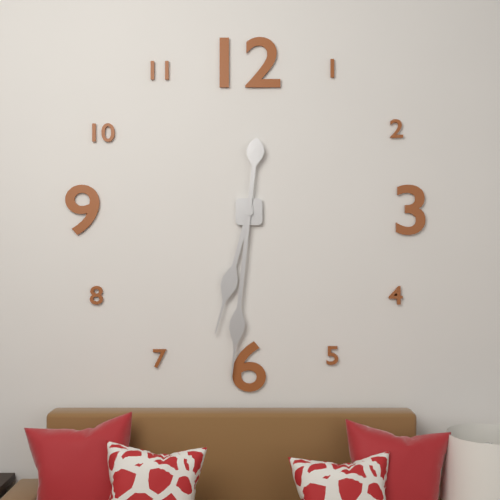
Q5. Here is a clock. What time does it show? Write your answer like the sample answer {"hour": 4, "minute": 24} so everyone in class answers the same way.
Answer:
{"hour": 6, "minute": 31}
